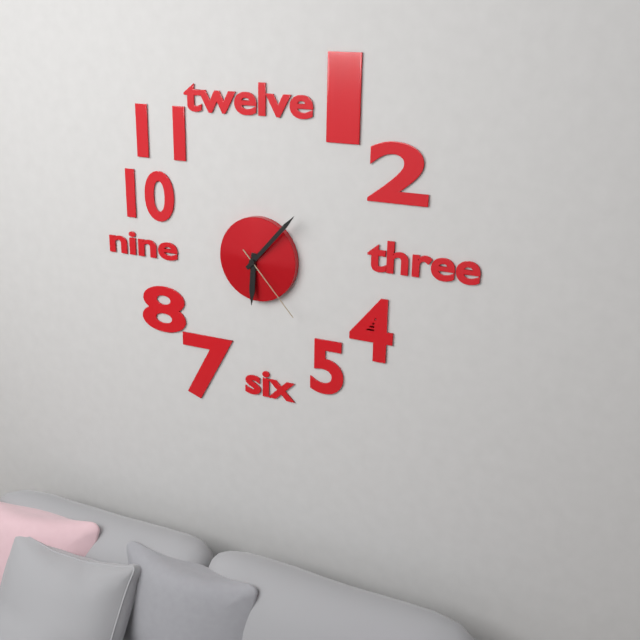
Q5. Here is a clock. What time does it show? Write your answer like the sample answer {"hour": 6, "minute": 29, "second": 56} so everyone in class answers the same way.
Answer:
{"hour": 6, "minute": 7, "second": 23}
